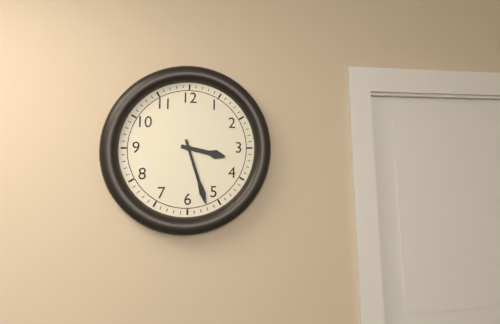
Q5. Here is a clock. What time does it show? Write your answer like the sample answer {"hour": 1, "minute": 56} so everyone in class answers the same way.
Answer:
{"hour": 3, "minute": 27}
